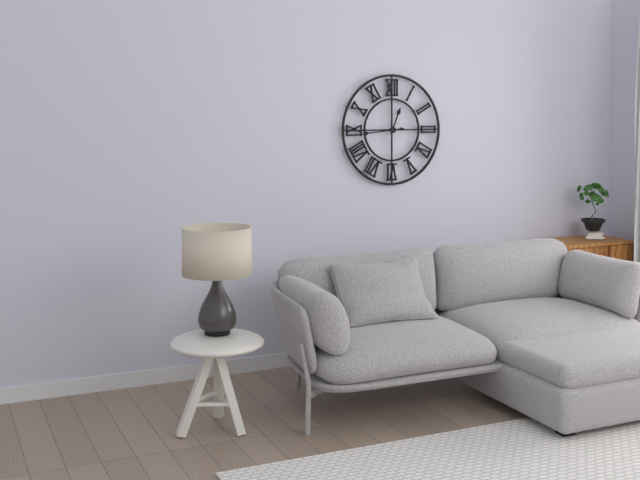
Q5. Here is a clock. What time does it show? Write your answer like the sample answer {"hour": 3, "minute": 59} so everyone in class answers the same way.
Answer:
{"hour": 12, "minute": 44}
